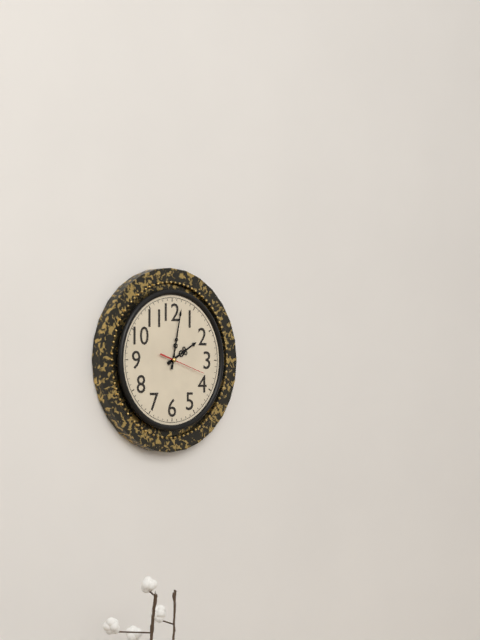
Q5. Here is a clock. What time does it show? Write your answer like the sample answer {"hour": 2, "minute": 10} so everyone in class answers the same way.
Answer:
{"hour": 2, "minute": 2}
